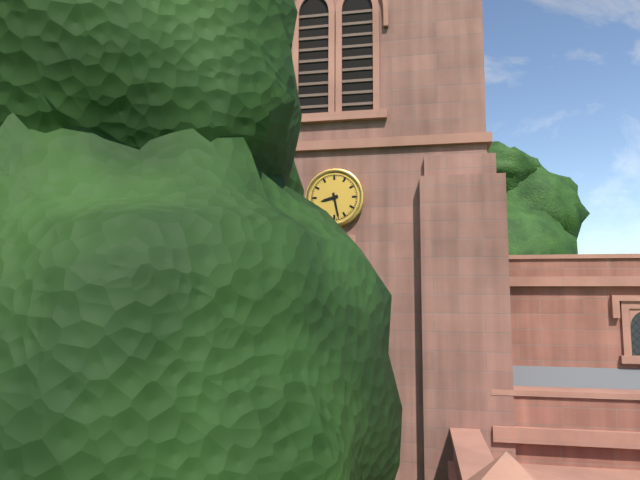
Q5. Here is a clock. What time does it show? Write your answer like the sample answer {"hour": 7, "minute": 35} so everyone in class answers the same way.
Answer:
{"hour": 8, "minute": 28}
